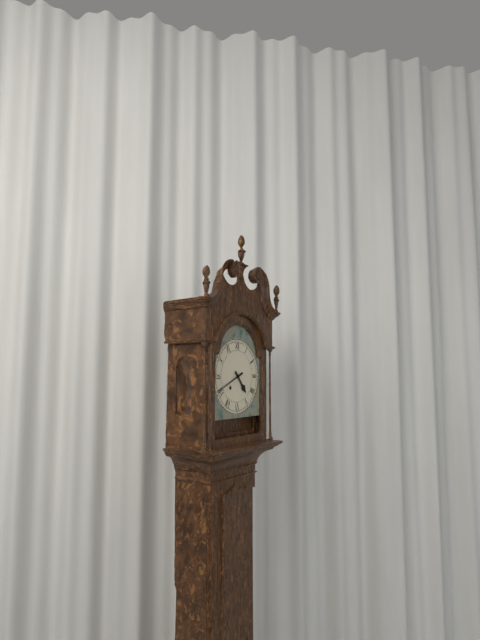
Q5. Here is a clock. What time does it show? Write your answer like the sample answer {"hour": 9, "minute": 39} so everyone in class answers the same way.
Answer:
{"hour": 4, "minute": 41}
